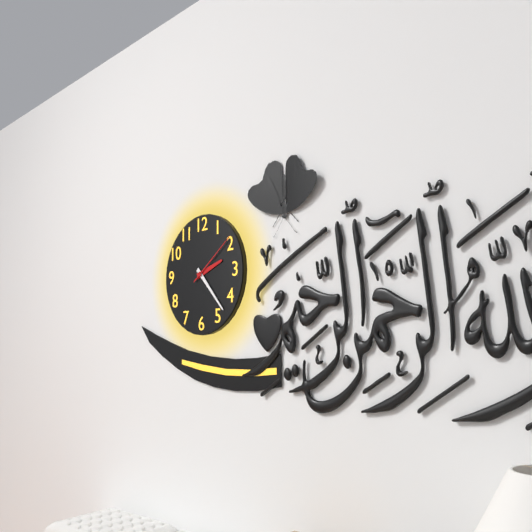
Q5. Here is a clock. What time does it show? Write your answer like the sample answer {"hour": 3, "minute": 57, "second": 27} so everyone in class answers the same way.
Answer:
{"hour": 2, "minute": 23, "second": 9}
